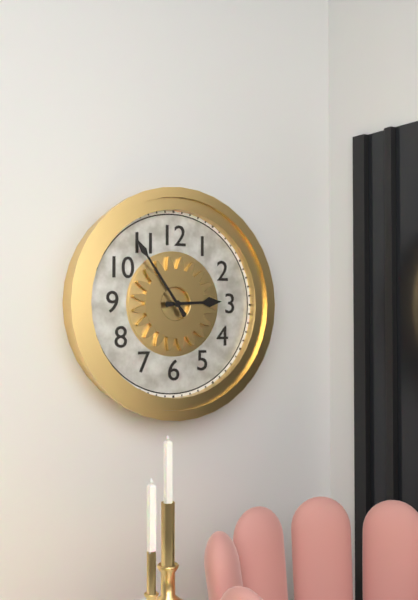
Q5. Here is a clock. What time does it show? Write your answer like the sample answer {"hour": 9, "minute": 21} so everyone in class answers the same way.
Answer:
{"hour": 2, "minute": 54}
